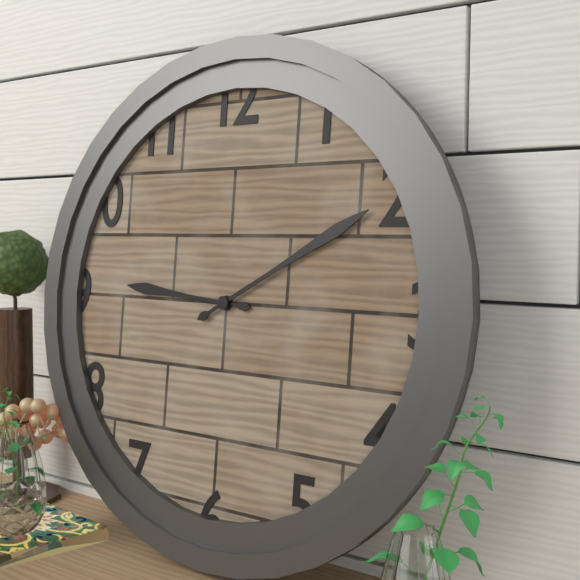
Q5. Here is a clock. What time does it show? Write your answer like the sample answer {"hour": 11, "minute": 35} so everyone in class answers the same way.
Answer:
{"hour": 9, "minute": 10}
